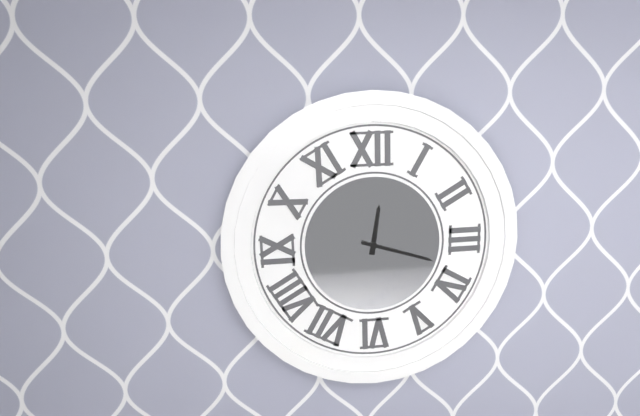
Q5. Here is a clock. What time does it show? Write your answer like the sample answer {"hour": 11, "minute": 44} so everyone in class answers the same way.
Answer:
{"hour": 12, "minute": 18}
